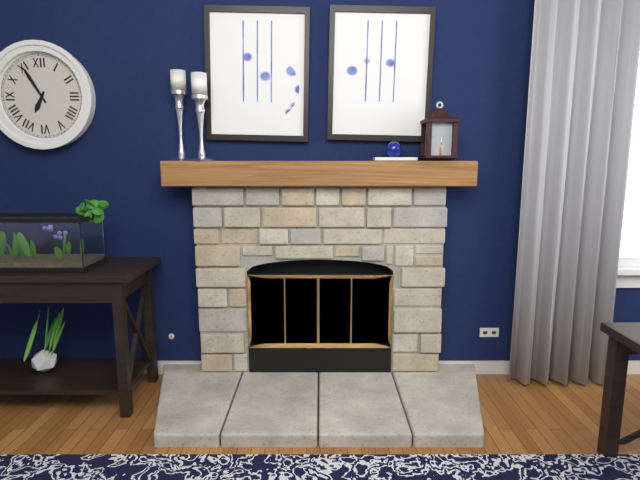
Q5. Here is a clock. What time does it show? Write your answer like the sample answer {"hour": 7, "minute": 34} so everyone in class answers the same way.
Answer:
{"hour": 6, "minute": 55}
